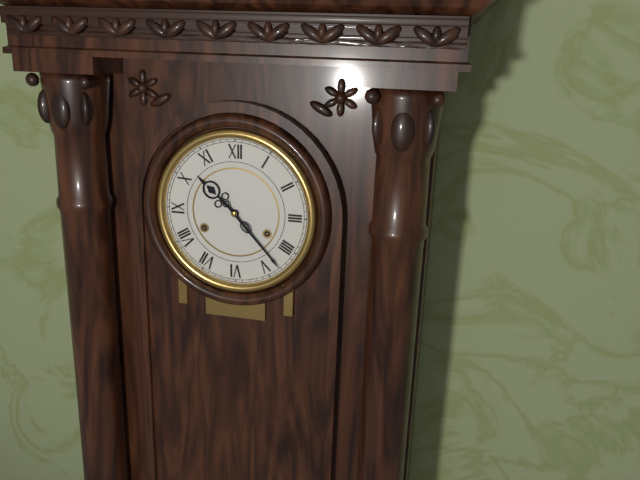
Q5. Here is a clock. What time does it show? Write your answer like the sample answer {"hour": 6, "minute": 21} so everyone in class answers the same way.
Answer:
{"hour": 10, "minute": 23}
